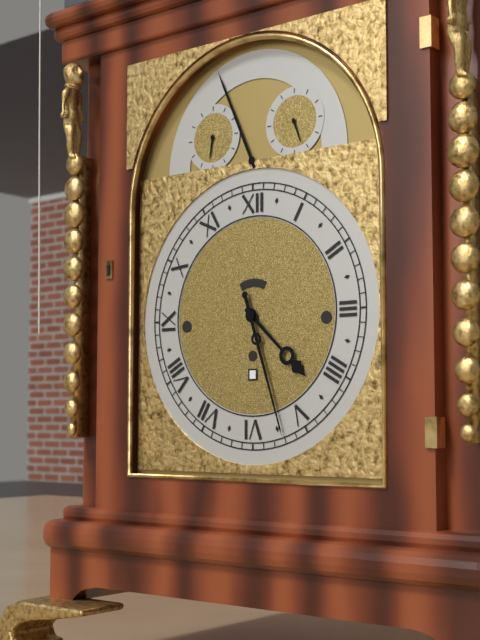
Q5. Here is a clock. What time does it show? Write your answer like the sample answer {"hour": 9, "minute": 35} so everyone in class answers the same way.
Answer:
{"hour": 4, "minute": 27}
